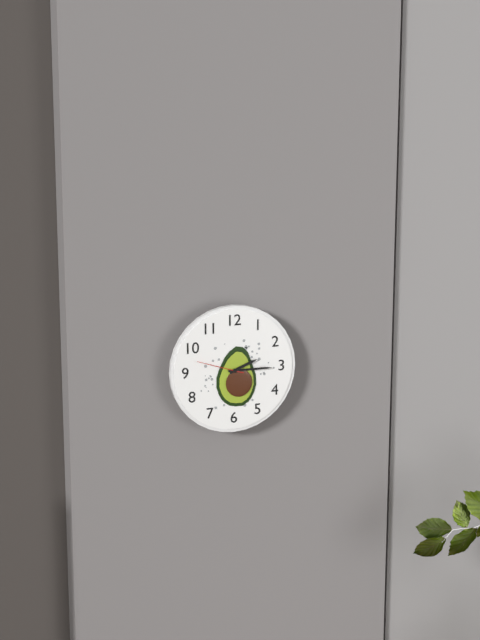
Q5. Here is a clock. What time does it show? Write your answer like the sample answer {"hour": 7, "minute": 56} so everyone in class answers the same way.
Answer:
{"hour": 2, "minute": 15}
